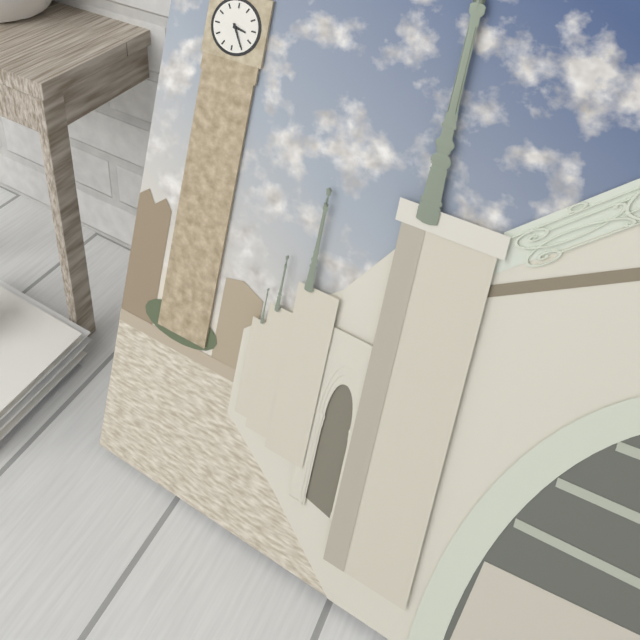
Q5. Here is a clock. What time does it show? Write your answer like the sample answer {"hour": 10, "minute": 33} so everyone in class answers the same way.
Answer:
{"hour": 3, "minute": 25}
